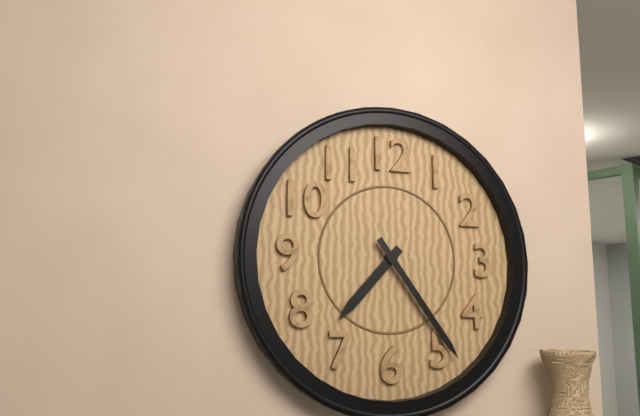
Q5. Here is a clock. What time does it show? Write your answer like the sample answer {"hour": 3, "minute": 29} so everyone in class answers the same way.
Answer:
{"hour": 7, "minute": 24}
